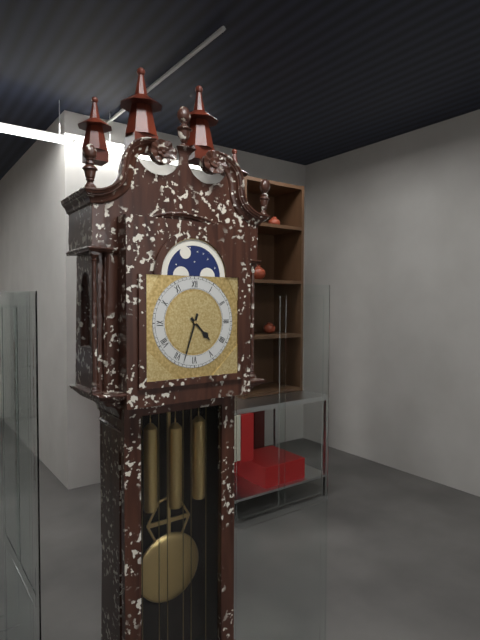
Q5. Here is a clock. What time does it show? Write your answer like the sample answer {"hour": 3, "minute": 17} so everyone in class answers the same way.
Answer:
{"hour": 4, "minute": 33}
